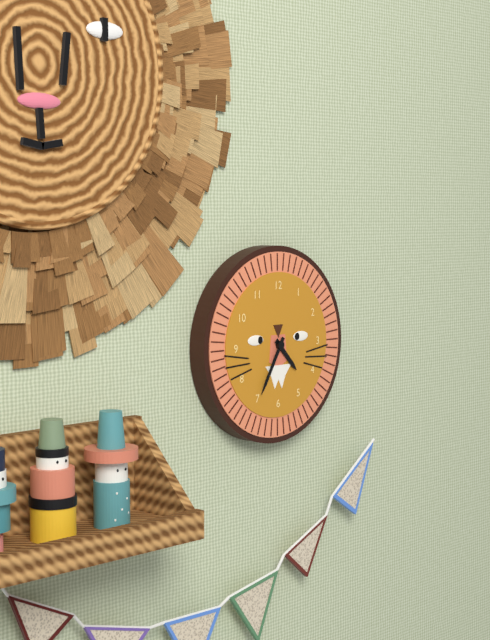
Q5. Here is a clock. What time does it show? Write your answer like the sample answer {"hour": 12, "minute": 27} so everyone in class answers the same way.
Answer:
{"hour": 4, "minute": 35}
